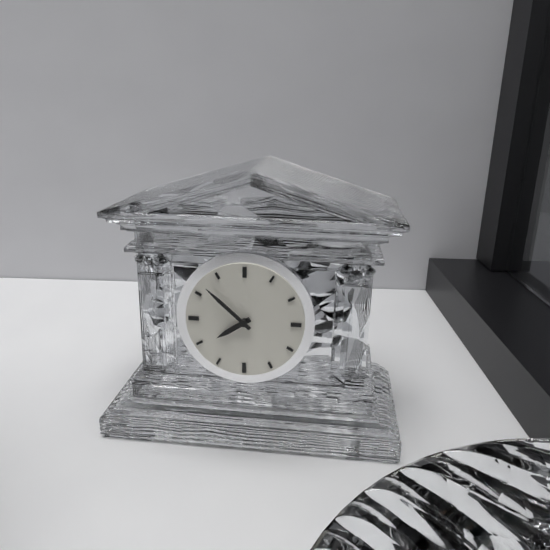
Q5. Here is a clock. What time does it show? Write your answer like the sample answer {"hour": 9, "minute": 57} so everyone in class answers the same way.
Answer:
{"hour": 7, "minute": 52}
